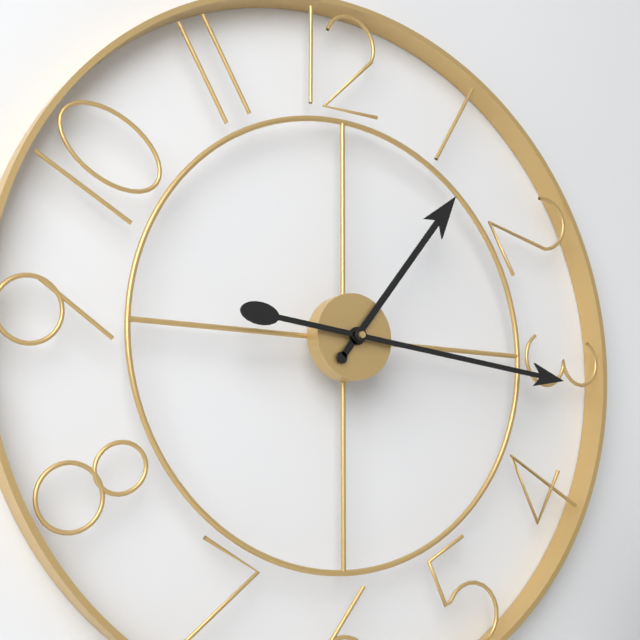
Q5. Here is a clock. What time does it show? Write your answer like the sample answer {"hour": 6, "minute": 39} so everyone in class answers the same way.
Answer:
{"hour": 1, "minute": 16}
